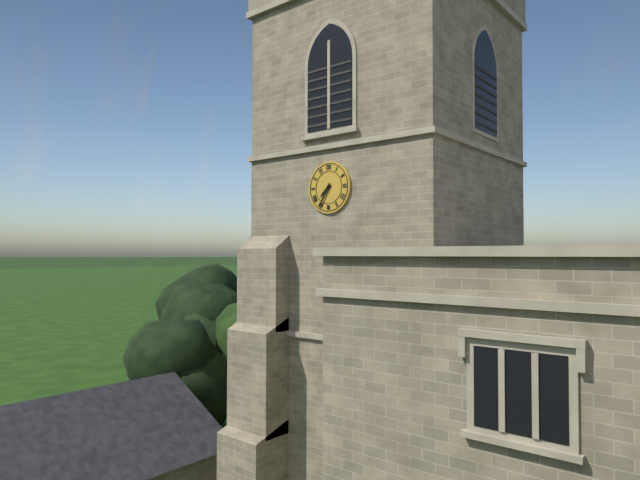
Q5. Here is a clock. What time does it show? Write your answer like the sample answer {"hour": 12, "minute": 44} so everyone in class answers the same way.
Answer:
{"hour": 7, "minute": 35}
